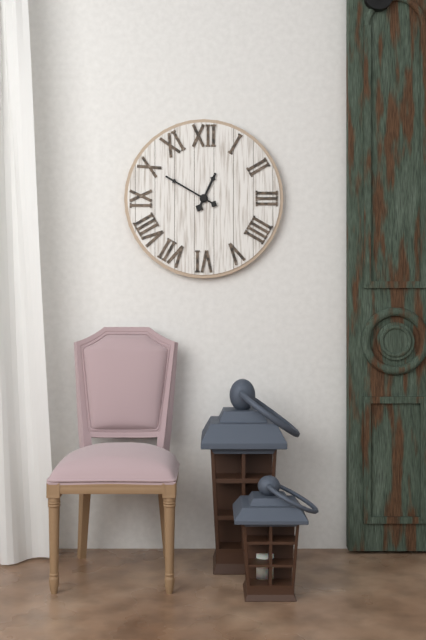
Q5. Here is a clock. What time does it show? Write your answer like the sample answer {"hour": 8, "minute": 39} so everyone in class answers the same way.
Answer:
{"hour": 12, "minute": 50}
